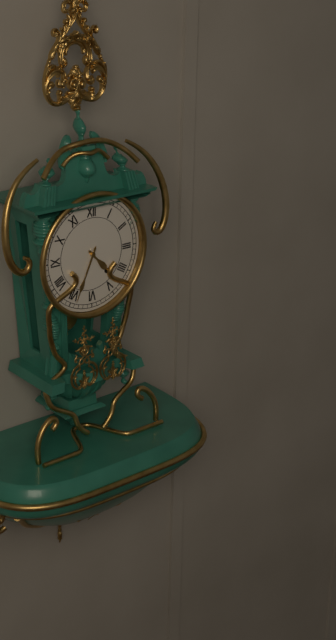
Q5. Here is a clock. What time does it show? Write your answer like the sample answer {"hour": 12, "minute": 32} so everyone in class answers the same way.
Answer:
{"hour": 4, "minute": 34}
